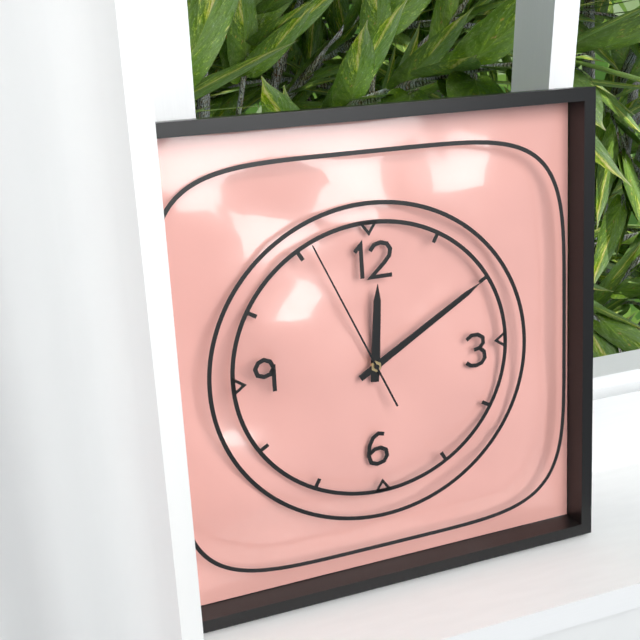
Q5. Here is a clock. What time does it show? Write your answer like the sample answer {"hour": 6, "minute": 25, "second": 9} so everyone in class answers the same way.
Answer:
{"hour": 12, "minute": 10, "second": 56}
